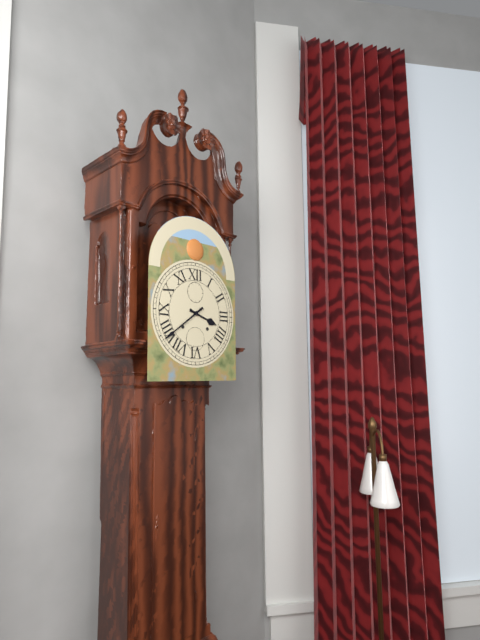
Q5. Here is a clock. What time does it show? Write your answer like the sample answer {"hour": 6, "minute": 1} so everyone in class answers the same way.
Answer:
{"hour": 3, "minute": 39}
